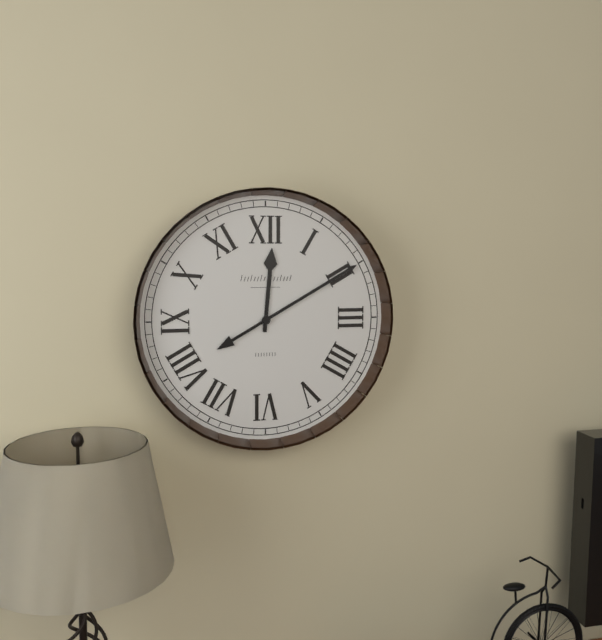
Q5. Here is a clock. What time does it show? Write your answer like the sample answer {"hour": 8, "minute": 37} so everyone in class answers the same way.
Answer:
{"hour": 12, "minute": 10}
